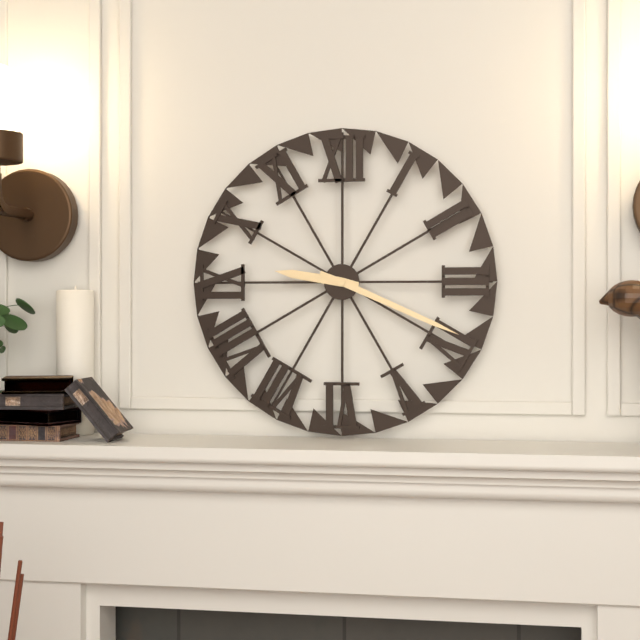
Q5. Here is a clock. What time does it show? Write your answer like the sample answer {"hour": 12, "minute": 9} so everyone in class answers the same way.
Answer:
{"hour": 9, "minute": 19}
